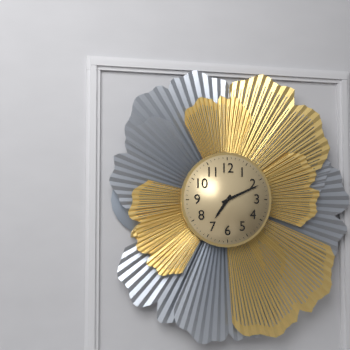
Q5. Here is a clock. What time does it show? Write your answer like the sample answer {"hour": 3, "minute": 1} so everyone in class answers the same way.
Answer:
{"hour": 7, "minute": 11}
